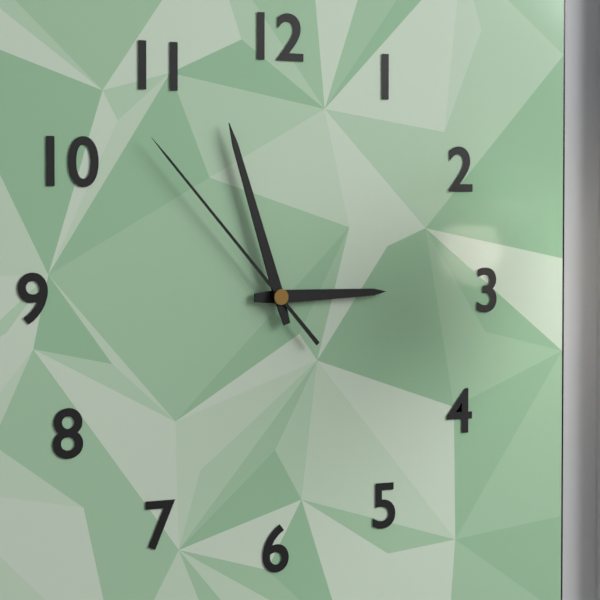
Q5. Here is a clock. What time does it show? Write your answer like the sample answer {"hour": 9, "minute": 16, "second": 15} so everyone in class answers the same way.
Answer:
{"hour": 2, "minute": 57, "second": 53}
